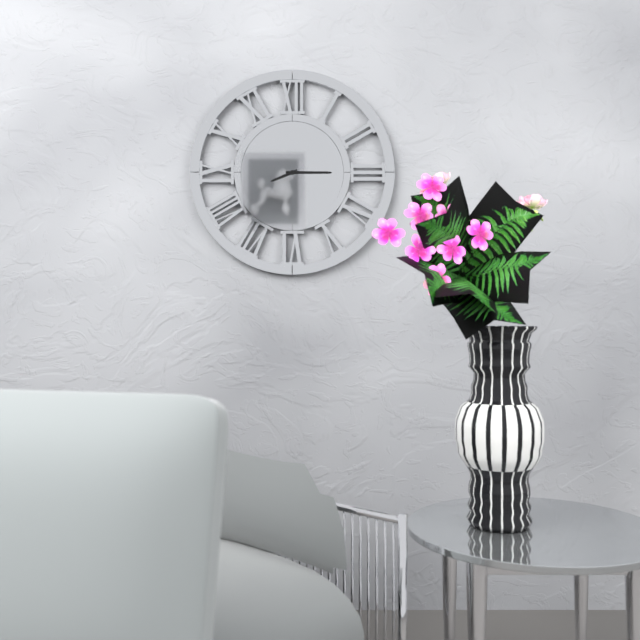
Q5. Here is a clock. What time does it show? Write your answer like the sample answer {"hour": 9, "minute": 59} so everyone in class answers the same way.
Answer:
{"hour": 8, "minute": 15}
